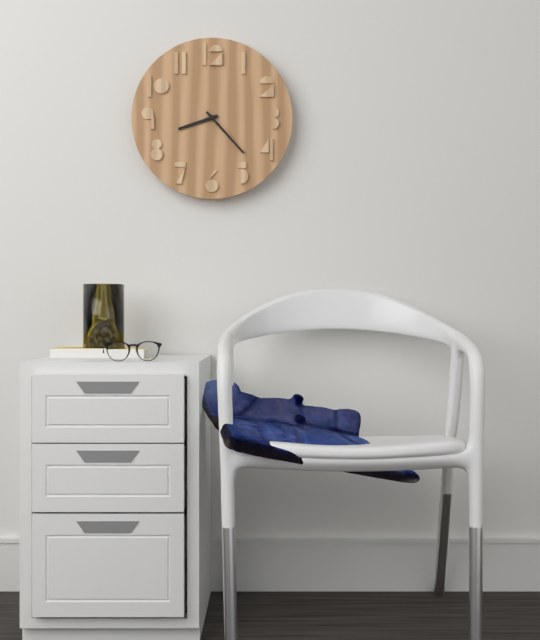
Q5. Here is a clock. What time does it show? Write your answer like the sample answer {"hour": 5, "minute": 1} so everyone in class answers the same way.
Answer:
{"hour": 8, "minute": 23}
